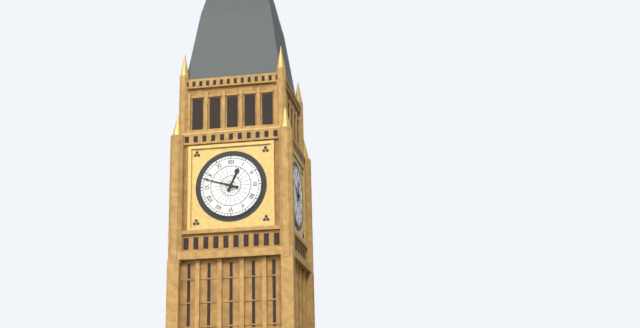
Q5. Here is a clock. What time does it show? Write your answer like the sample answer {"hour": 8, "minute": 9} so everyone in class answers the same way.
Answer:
{"hour": 12, "minute": 48}
